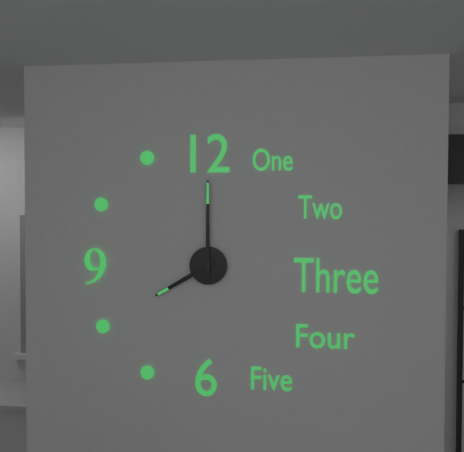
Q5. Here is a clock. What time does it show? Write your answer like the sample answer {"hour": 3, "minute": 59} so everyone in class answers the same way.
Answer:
{"hour": 8, "minute": 0}
